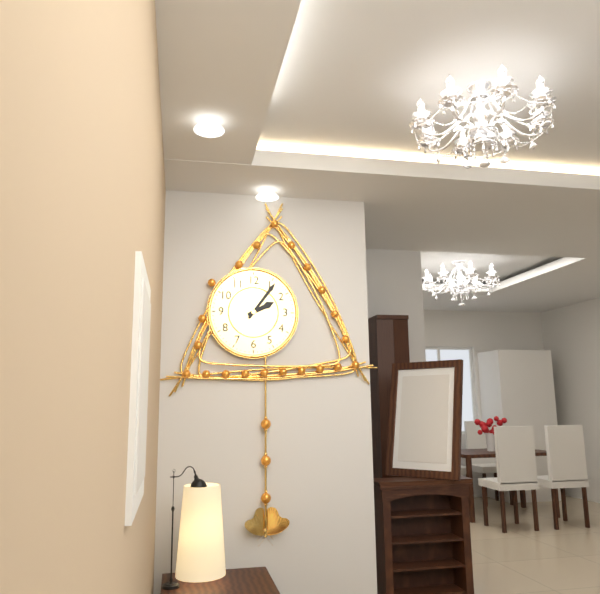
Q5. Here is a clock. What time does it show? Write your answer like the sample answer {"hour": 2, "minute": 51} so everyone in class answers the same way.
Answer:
{"hour": 2, "minute": 6}
